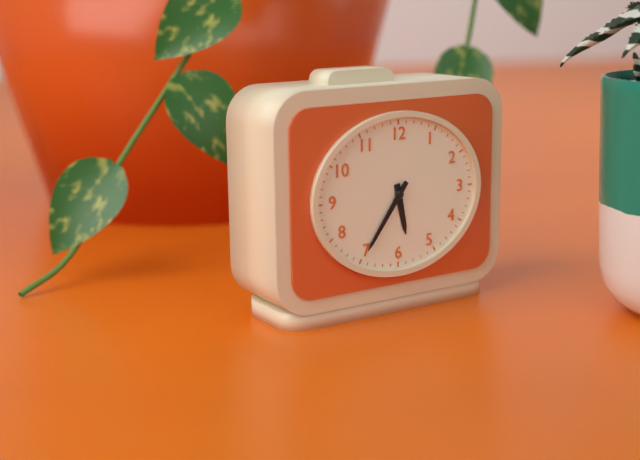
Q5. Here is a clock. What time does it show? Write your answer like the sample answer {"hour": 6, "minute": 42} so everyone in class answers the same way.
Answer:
{"hour": 5, "minute": 36}
